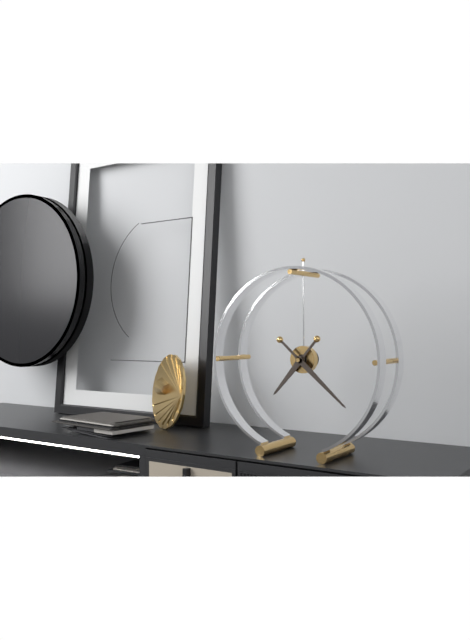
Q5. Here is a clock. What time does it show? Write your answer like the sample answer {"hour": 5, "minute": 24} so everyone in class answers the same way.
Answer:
{"hour": 7, "minute": 22}
